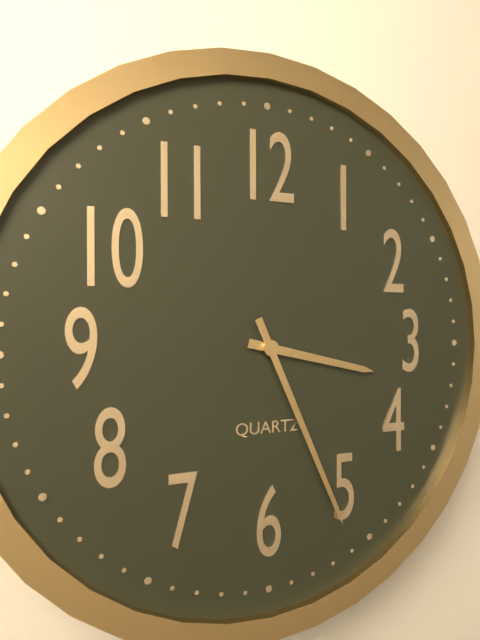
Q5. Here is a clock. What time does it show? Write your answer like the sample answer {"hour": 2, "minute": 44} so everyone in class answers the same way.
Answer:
{"hour": 3, "minute": 26}
